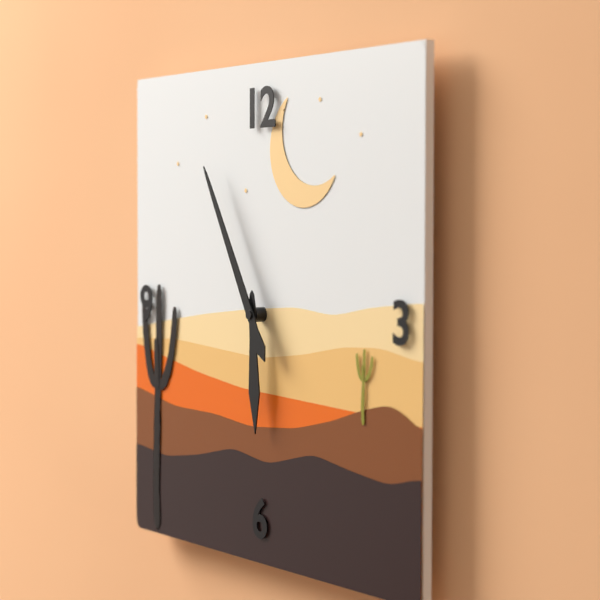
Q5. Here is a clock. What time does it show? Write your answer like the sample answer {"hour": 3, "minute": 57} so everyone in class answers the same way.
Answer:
{"hour": 5, "minute": 55}
